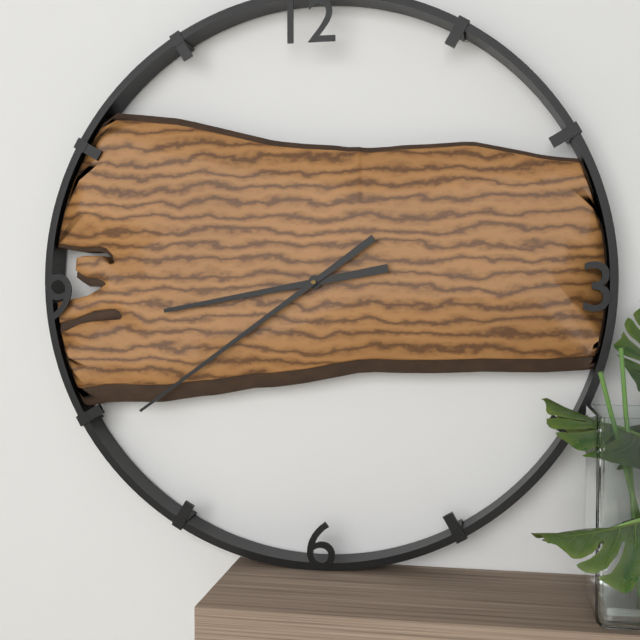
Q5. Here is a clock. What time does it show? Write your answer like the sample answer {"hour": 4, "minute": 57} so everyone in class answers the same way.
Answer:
{"hour": 8, "minute": 39}
